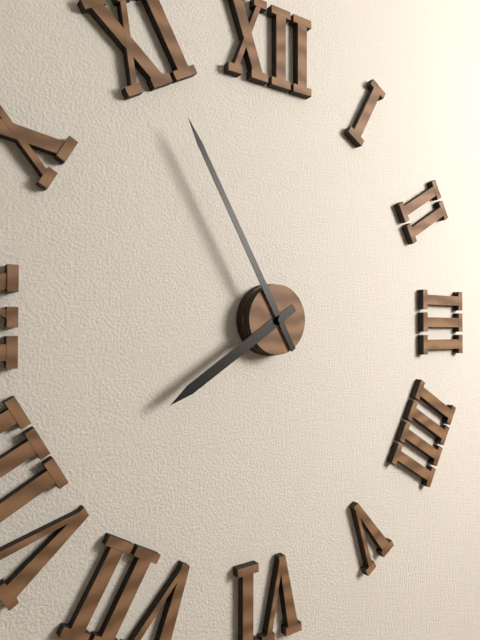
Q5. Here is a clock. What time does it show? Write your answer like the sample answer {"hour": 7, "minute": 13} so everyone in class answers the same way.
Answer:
{"hour": 7, "minute": 55}
